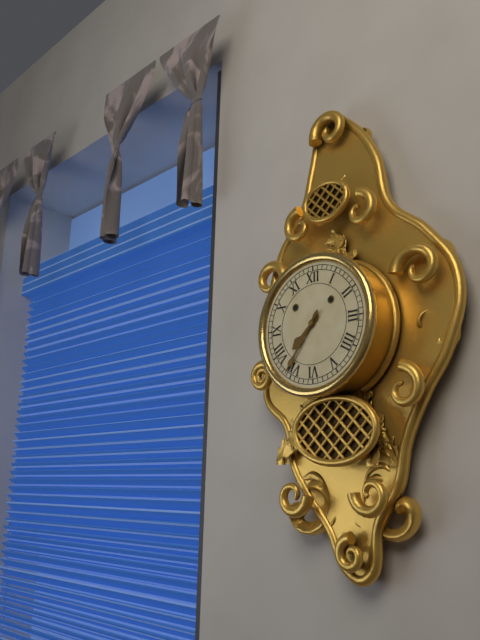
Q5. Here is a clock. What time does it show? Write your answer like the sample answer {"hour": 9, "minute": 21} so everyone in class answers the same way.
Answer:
{"hour": 7, "minute": 36}
